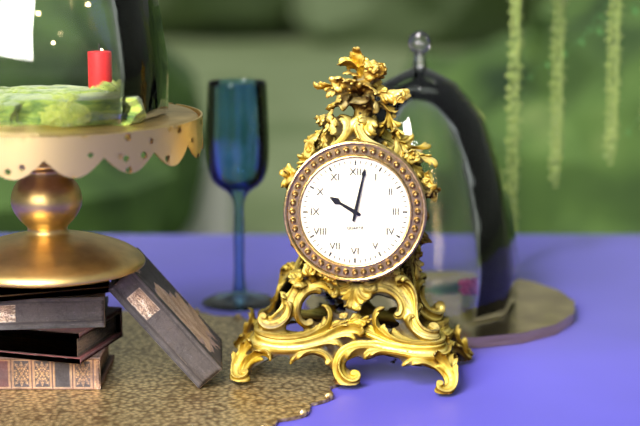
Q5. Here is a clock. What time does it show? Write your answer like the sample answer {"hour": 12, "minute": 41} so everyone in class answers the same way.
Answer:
{"hour": 10, "minute": 2}
